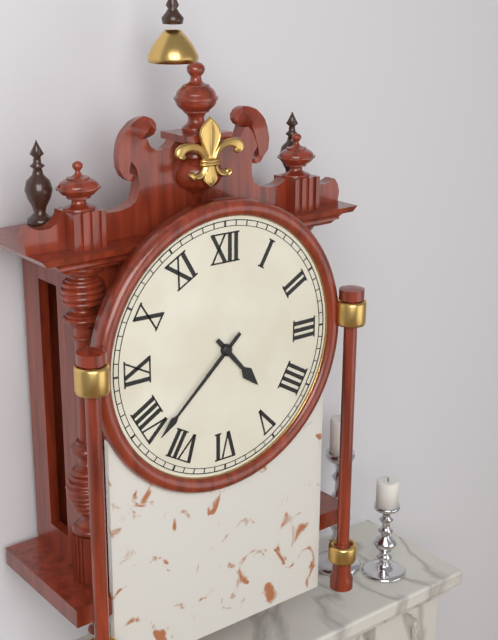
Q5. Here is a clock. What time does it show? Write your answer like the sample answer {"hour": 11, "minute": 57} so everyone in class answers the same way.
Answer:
{"hour": 4, "minute": 38}
